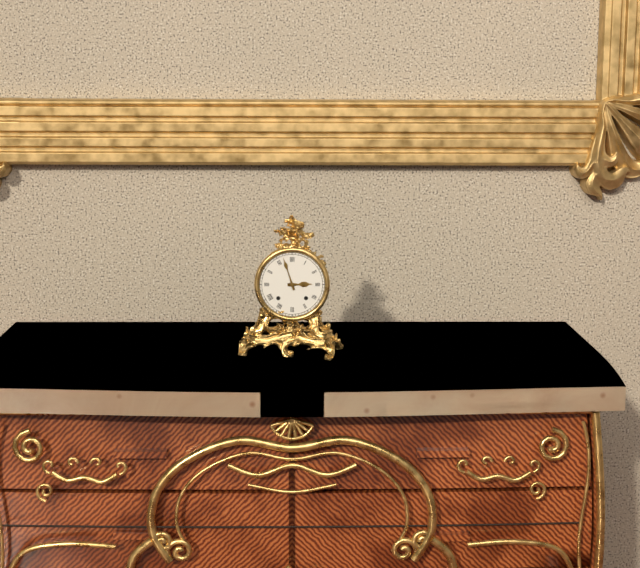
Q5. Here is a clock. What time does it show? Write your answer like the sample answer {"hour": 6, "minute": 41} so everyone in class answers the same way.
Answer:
{"hour": 2, "minute": 57}
